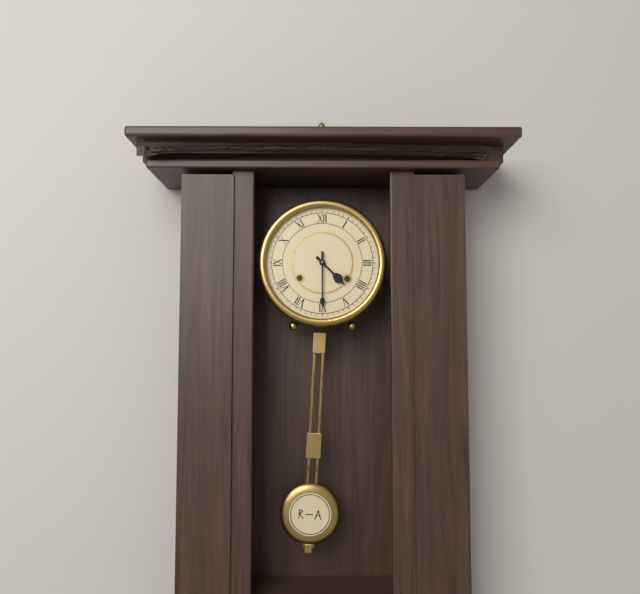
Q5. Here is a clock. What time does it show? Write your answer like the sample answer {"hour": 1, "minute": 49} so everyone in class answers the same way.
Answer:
{"hour": 4, "minute": 30}
